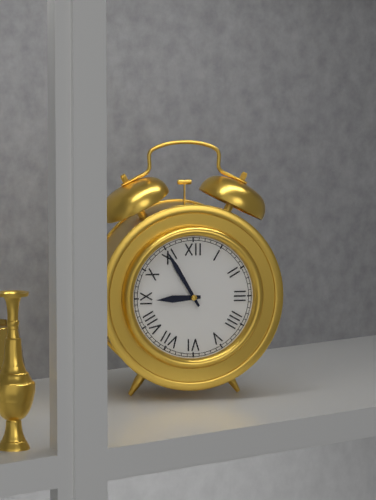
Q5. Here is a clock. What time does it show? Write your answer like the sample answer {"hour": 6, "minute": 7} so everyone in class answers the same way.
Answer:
{"hour": 8, "minute": 55}
